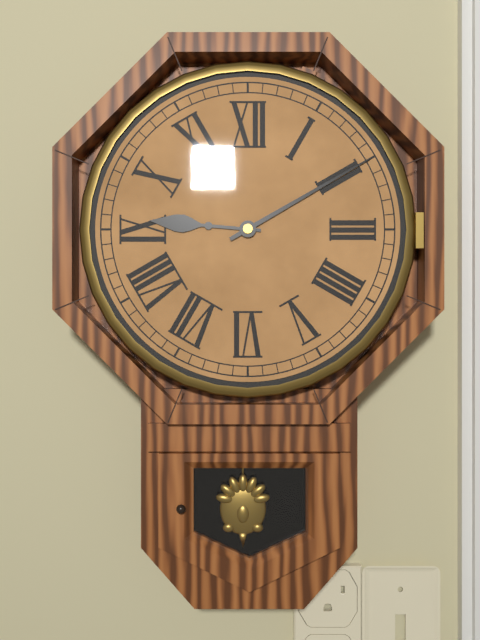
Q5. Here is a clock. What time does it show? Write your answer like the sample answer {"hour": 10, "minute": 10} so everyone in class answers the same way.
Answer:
{"hour": 9, "minute": 10}
